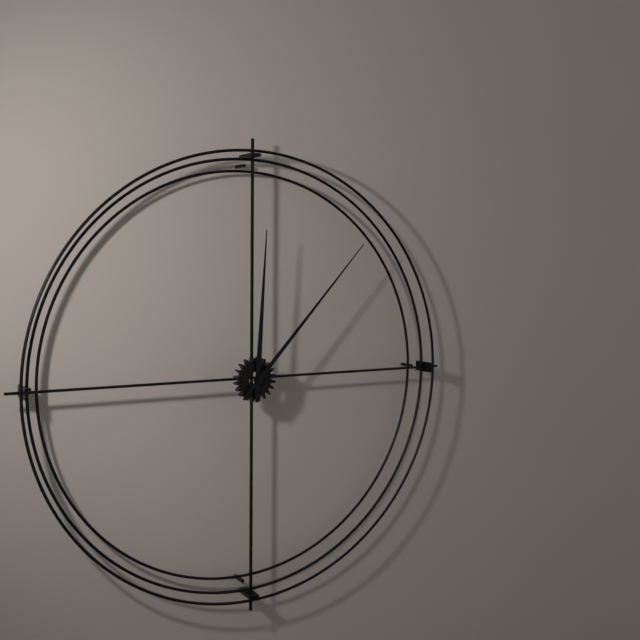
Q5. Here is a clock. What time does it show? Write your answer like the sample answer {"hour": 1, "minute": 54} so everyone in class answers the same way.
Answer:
{"hour": 12, "minute": 7}
